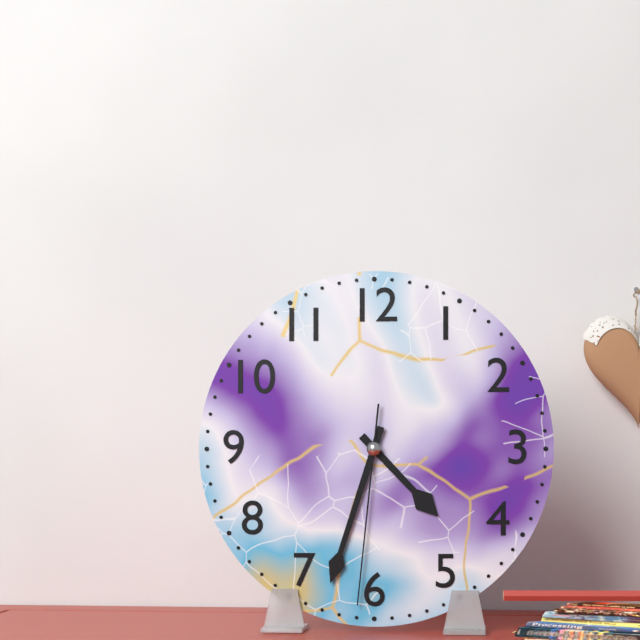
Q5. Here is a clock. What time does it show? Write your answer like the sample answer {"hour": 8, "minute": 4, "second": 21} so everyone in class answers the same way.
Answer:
{"hour": 4, "minute": 33, "second": 31}
